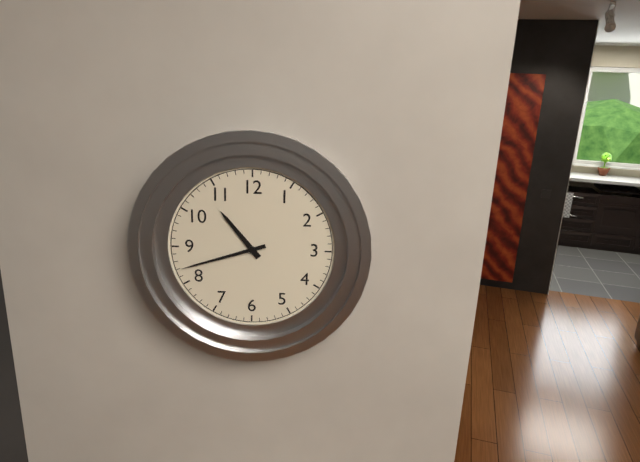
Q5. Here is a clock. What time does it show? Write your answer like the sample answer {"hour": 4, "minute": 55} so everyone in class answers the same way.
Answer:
{"hour": 10, "minute": 42}
